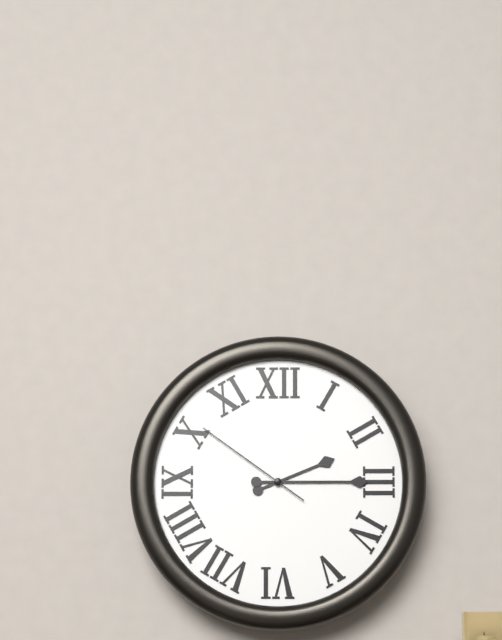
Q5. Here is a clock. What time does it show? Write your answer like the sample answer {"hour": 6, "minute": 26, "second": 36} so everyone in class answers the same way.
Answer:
{"hour": 2, "minute": 15, "second": 51}
